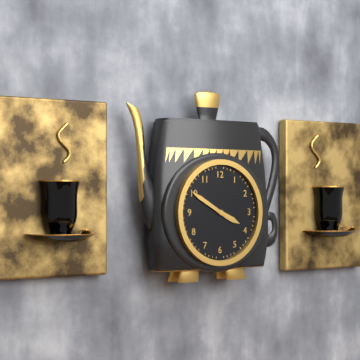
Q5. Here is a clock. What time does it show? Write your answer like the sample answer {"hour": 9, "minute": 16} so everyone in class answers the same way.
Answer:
{"hour": 3, "minute": 50}
